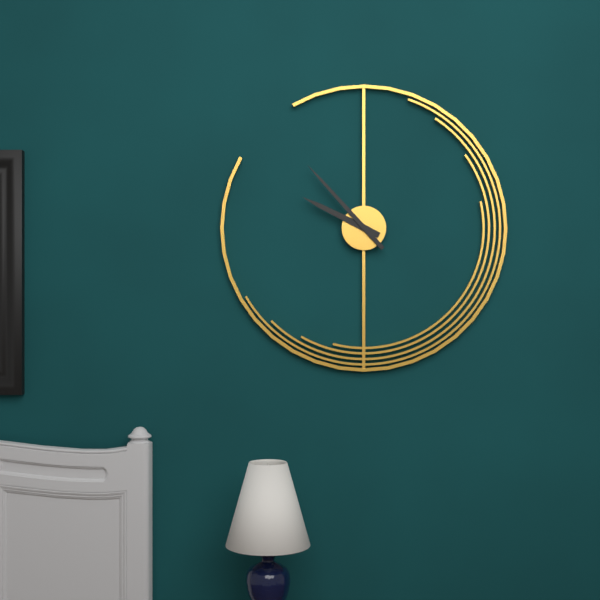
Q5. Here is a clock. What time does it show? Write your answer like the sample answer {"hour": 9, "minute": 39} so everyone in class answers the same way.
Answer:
{"hour": 9, "minute": 53}
